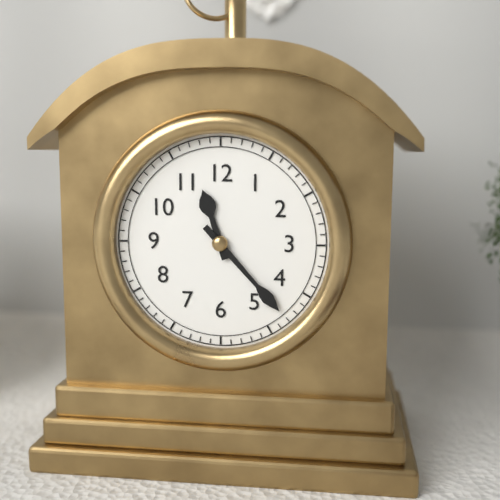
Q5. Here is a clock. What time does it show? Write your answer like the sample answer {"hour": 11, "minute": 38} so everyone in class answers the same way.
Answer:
{"hour": 11, "minute": 23}
